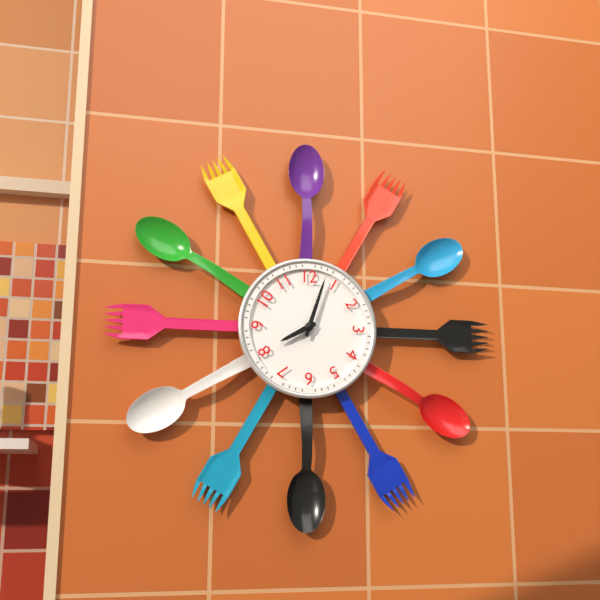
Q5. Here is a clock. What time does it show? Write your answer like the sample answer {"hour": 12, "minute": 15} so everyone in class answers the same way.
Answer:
{"hour": 8, "minute": 3}
